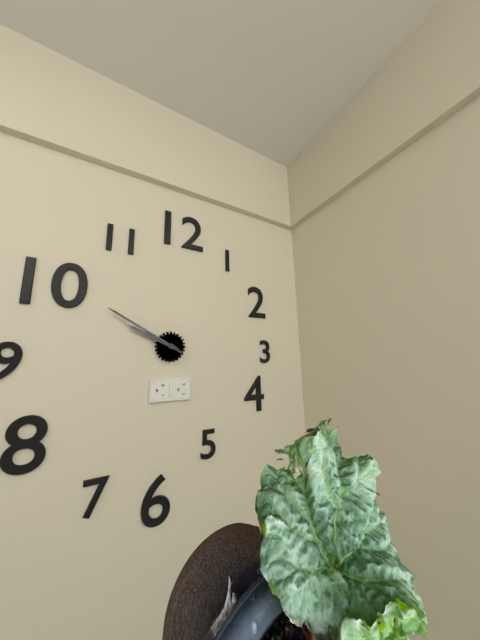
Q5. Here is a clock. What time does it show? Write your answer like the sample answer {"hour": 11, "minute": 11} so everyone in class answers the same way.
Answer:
{"hour": 9, "minute": 50}
